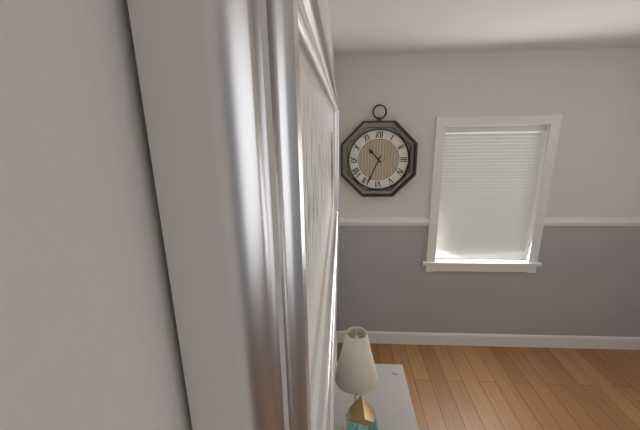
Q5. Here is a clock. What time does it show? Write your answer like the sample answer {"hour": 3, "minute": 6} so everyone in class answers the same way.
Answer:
{"hour": 10, "minute": 34}
